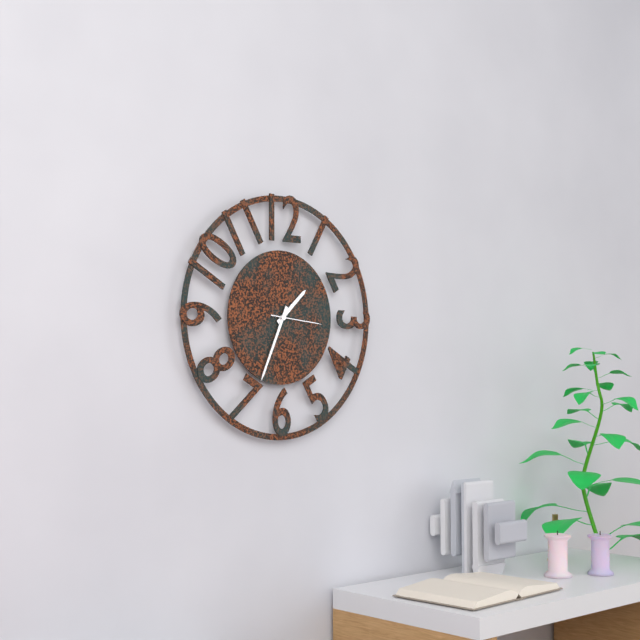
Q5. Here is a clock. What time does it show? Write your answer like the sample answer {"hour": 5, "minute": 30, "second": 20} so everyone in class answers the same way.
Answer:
{"hour": 1, "minute": 34, "second": 16}
